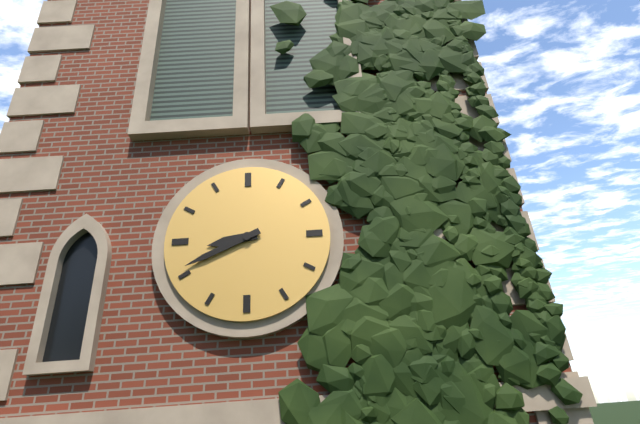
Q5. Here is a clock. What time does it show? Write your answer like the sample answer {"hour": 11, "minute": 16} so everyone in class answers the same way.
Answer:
{"hour": 8, "minute": 41}
